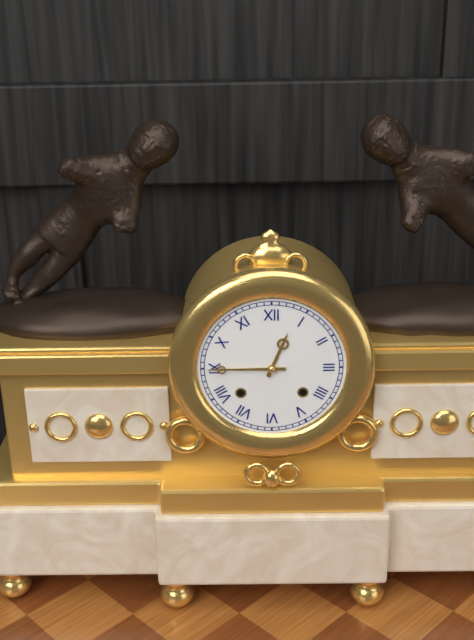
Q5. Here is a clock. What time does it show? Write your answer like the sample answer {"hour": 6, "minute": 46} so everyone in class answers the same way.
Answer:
{"hour": 12, "minute": 45}
